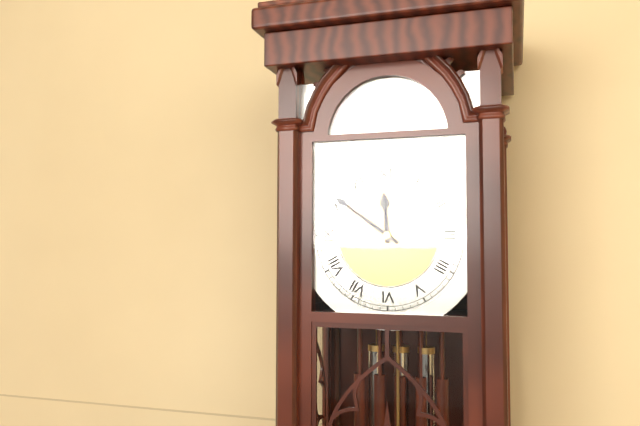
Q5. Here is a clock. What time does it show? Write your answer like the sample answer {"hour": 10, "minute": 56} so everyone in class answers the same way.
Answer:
{"hour": 11, "minute": 51}
